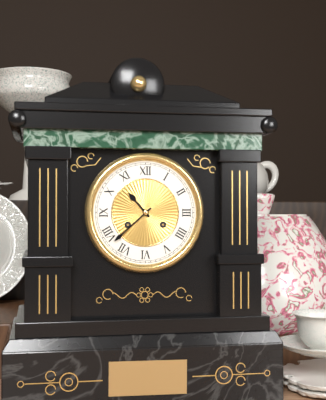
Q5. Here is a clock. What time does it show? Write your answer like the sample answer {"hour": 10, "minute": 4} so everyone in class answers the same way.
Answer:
{"hour": 10, "minute": 38}
